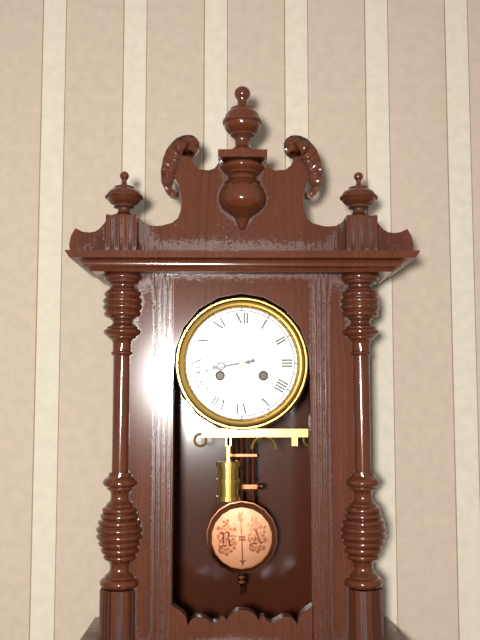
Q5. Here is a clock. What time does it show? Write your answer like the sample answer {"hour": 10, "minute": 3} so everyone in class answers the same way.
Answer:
{"hour": 8, "minute": 43}
